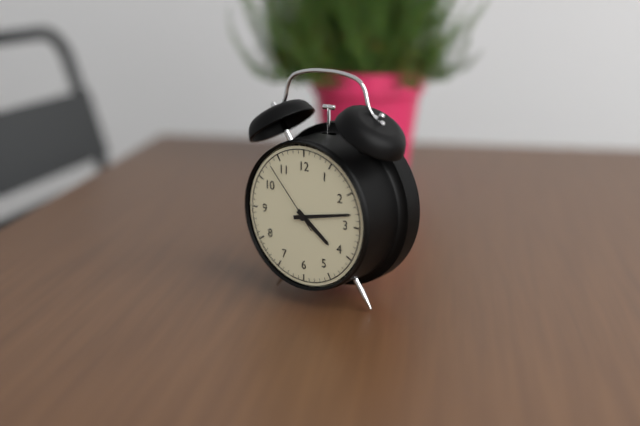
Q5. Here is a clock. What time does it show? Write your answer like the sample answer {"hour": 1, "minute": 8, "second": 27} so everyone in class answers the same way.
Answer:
{"hour": 4, "minute": 13, "second": 53}
